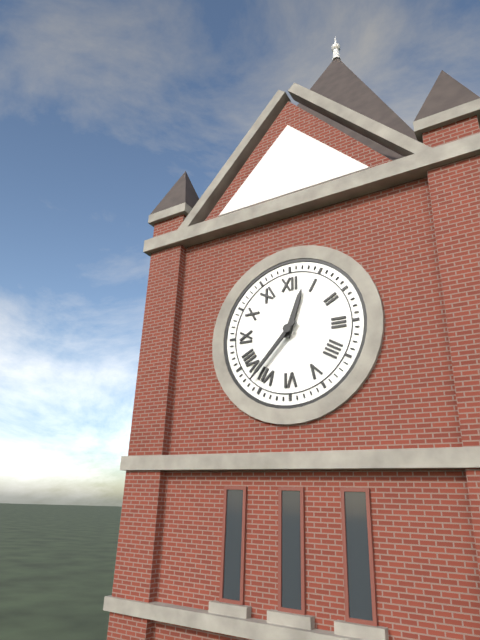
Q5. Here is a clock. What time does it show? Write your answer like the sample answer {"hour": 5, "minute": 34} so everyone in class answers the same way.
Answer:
{"hour": 12, "minute": 37}
